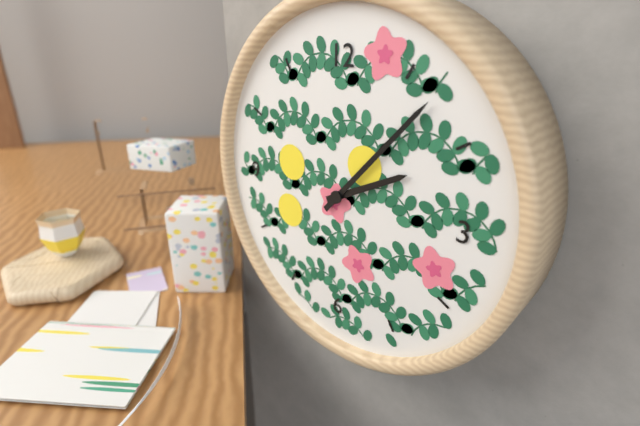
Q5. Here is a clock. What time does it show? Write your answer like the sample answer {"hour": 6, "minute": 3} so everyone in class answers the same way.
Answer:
{"hour": 2, "minute": 7}
